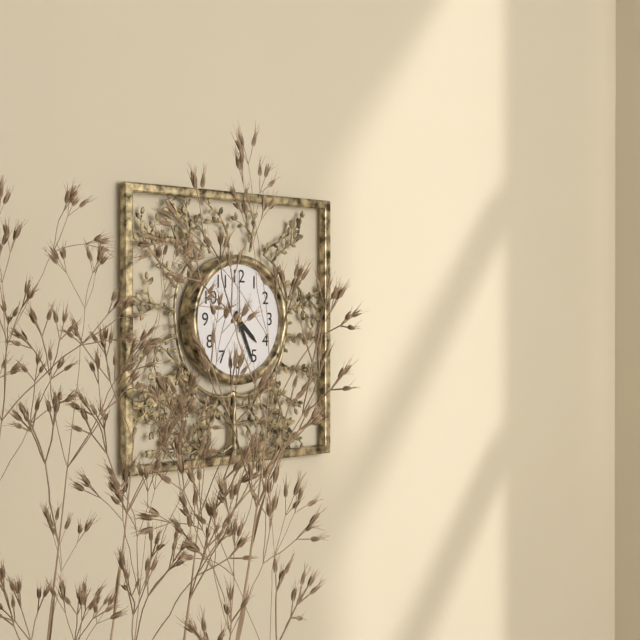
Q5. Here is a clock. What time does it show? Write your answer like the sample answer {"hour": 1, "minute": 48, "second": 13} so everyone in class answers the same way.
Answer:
{"hour": 4, "minute": 26, "second": 0}
